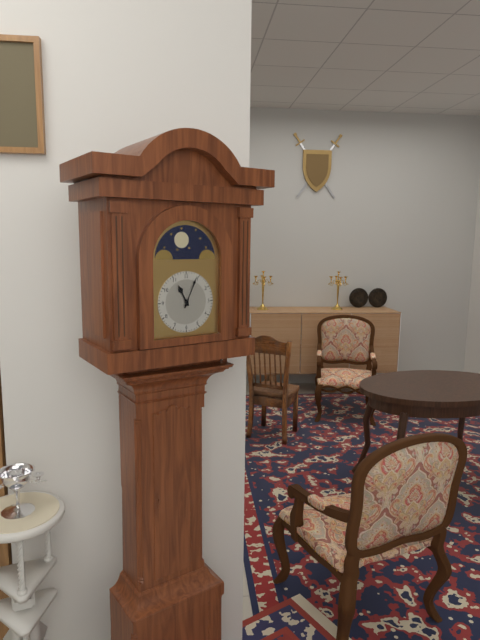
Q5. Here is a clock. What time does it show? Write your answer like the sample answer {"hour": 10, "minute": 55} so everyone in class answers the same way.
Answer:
{"hour": 11, "minute": 4}
